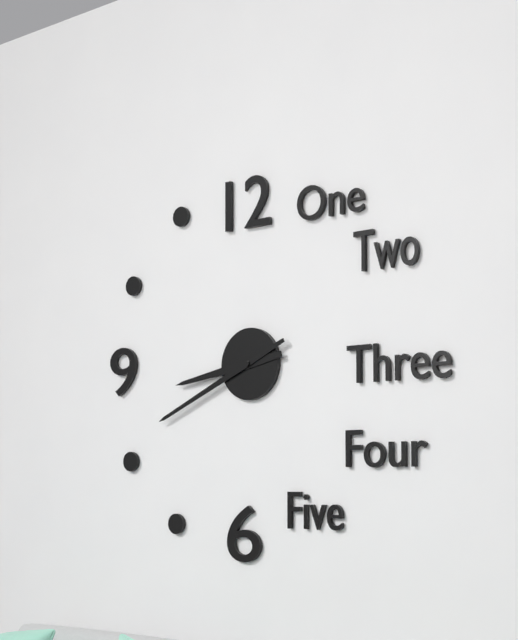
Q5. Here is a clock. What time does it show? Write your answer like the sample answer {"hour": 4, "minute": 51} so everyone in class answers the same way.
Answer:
{"hour": 8, "minute": 41}
